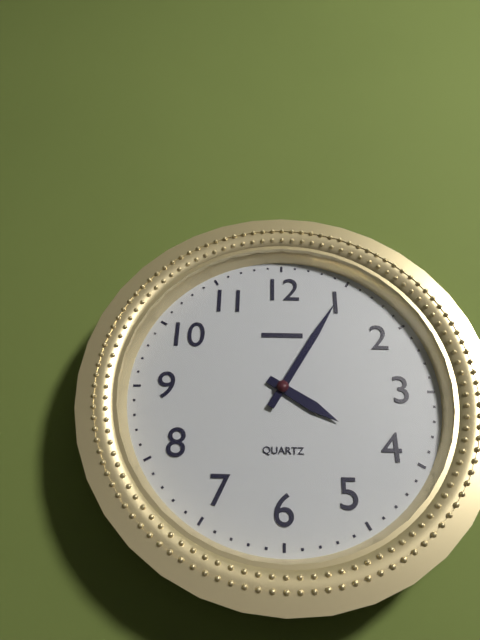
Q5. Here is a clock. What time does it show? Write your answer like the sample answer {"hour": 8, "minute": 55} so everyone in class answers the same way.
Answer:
{"hour": 4, "minute": 5}
